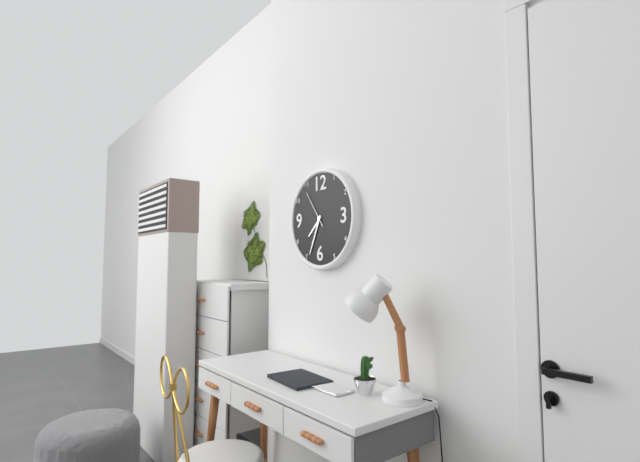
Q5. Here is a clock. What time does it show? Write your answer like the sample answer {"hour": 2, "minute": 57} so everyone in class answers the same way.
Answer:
{"hour": 7, "minute": 34}
